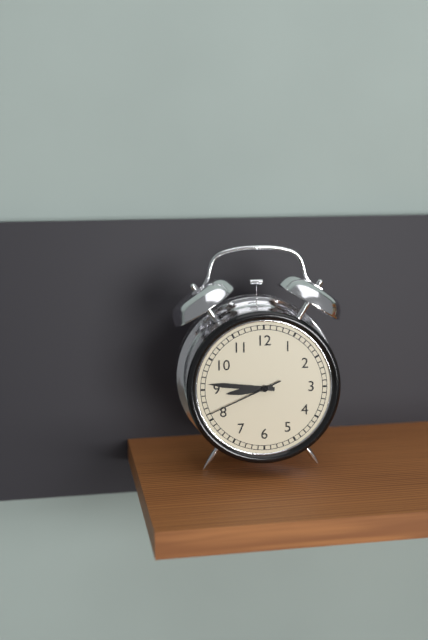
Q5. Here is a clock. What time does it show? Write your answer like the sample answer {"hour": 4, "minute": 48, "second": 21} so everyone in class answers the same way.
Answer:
{"hour": 8, "minute": 46, "second": 41}
